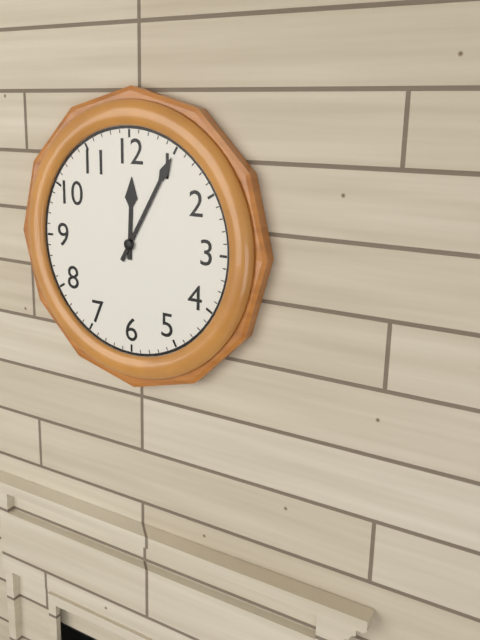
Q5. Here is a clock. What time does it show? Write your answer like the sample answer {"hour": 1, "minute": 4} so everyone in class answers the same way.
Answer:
{"hour": 12, "minute": 5}
